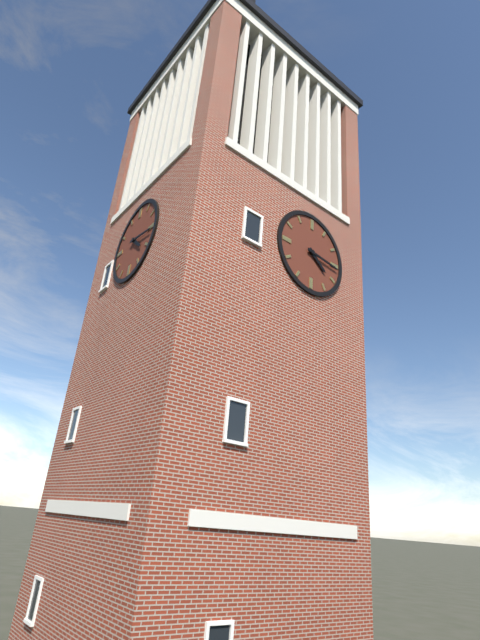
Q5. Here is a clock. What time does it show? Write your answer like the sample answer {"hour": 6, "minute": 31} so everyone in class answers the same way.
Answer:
{"hour": 4, "minute": 16}
